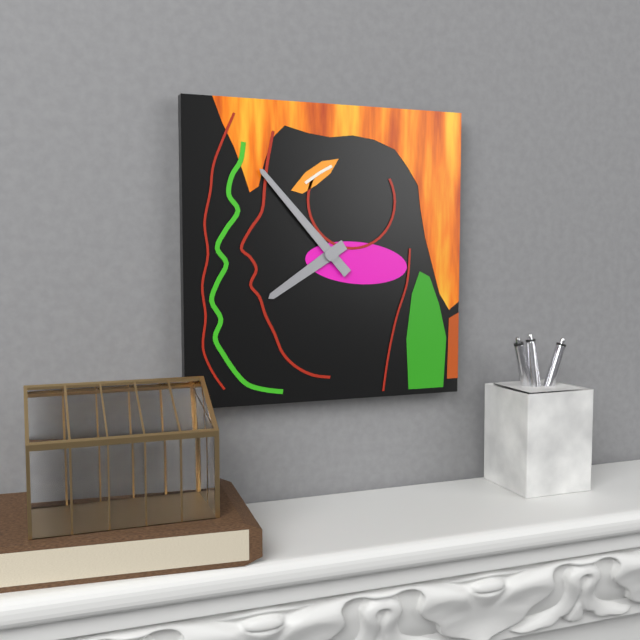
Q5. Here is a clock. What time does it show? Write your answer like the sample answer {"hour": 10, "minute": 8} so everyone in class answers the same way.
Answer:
{"hour": 7, "minute": 53}
